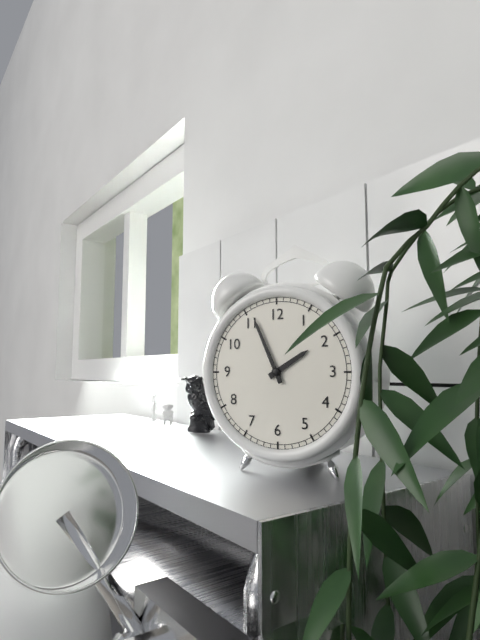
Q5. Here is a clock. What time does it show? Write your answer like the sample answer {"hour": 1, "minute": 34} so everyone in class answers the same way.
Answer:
{"hour": 1, "minute": 56}
